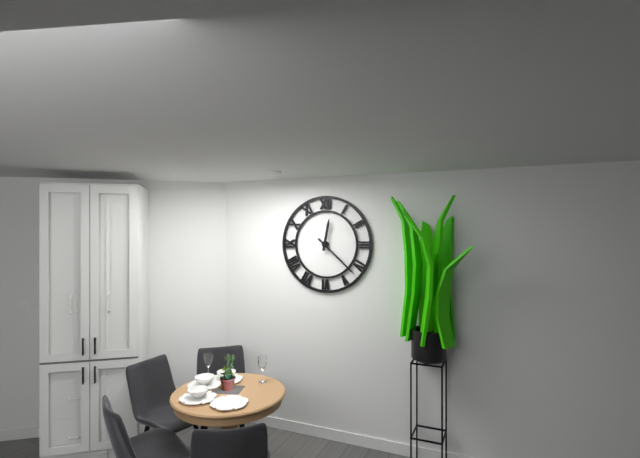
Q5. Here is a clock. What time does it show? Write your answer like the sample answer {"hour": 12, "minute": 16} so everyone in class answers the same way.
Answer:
{"hour": 12, "minute": 22}
